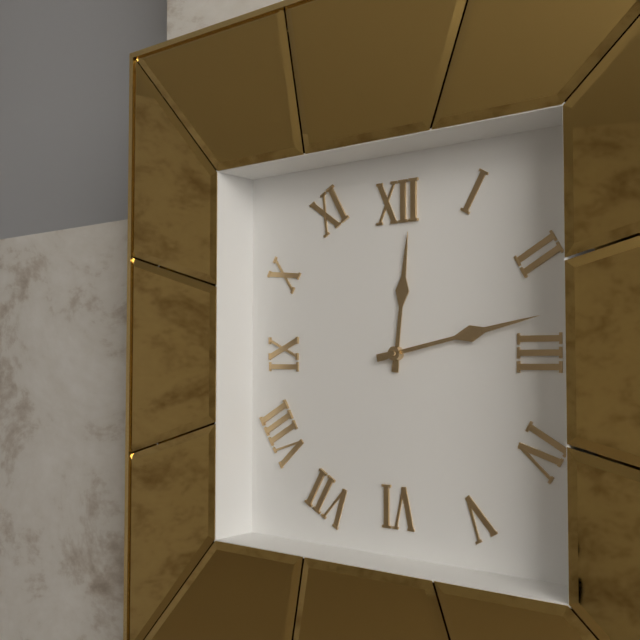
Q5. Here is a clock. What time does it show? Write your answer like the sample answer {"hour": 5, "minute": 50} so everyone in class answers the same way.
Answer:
{"hour": 12, "minute": 13}
